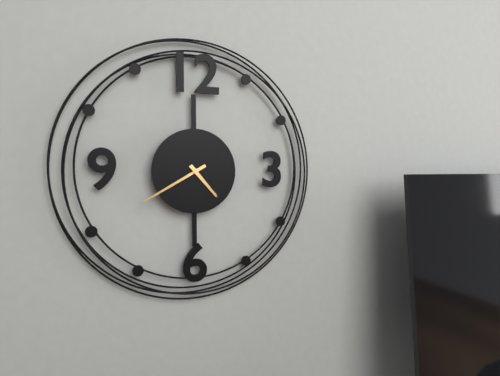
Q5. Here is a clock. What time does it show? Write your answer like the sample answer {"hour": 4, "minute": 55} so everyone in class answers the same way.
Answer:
{"hour": 4, "minute": 40}
